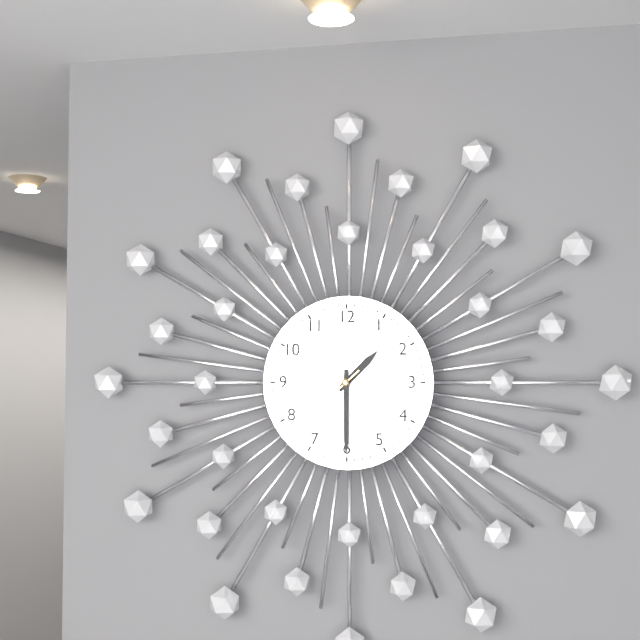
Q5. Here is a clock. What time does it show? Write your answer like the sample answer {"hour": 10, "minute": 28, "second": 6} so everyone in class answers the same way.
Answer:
{"hour": 1, "minute": 30, "second": 38}
